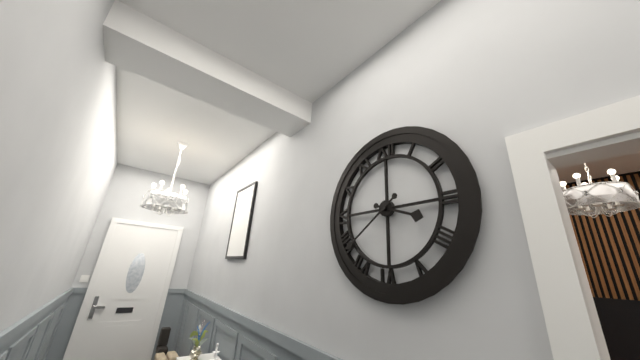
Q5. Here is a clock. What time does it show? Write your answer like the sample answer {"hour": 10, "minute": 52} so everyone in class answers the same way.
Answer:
{"hour": 3, "minute": 39}
